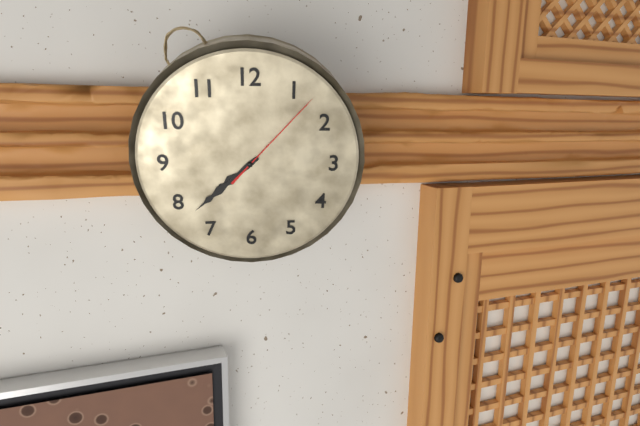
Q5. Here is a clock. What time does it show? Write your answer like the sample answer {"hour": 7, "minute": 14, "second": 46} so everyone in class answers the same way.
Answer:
{"hour": 7, "minute": 38, "second": 7}
